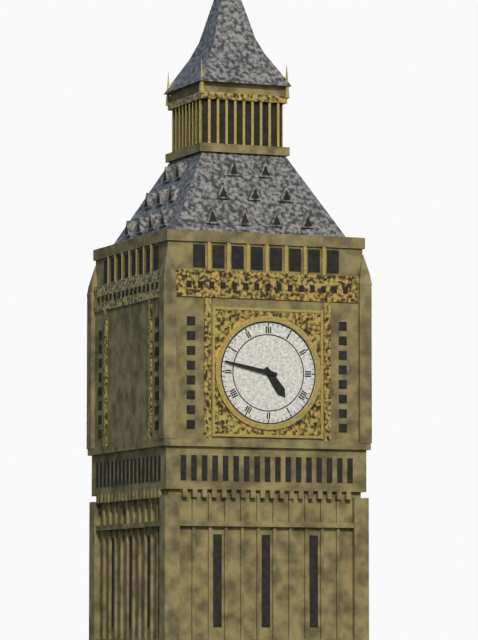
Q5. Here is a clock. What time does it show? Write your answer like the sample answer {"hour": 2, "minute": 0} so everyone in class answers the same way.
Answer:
{"hour": 4, "minute": 47}
